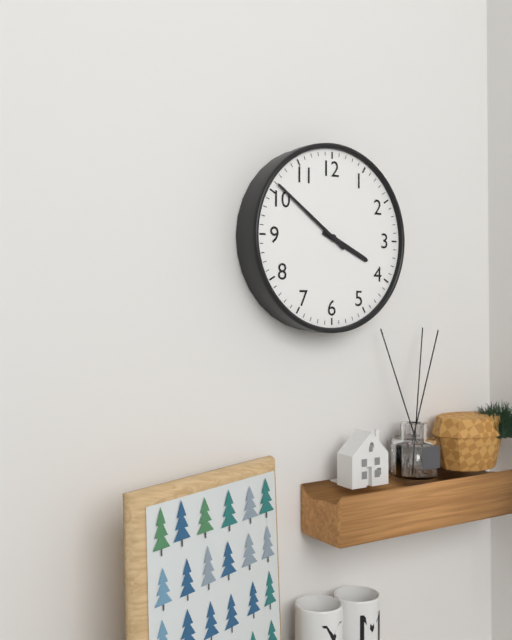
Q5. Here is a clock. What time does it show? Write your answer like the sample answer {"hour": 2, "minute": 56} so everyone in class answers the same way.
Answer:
{"hour": 3, "minute": 51}
